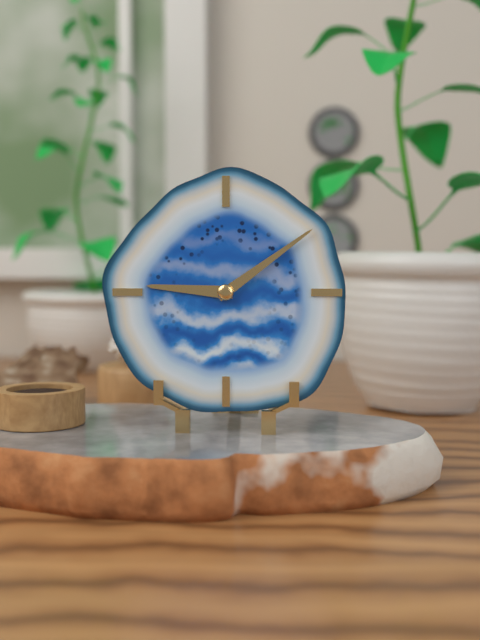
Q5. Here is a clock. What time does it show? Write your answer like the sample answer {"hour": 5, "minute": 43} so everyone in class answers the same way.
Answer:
{"hour": 9, "minute": 9}
